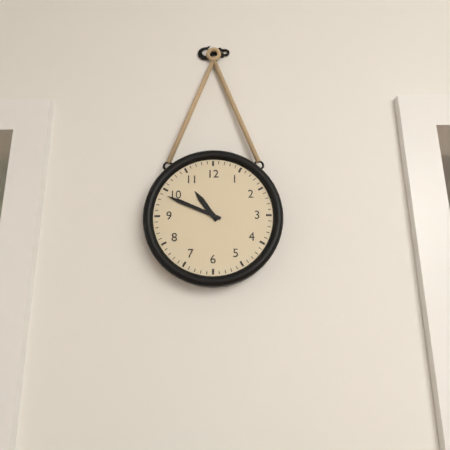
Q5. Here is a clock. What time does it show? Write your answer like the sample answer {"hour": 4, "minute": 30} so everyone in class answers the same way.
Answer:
{"hour": 10, "minute": 49}
